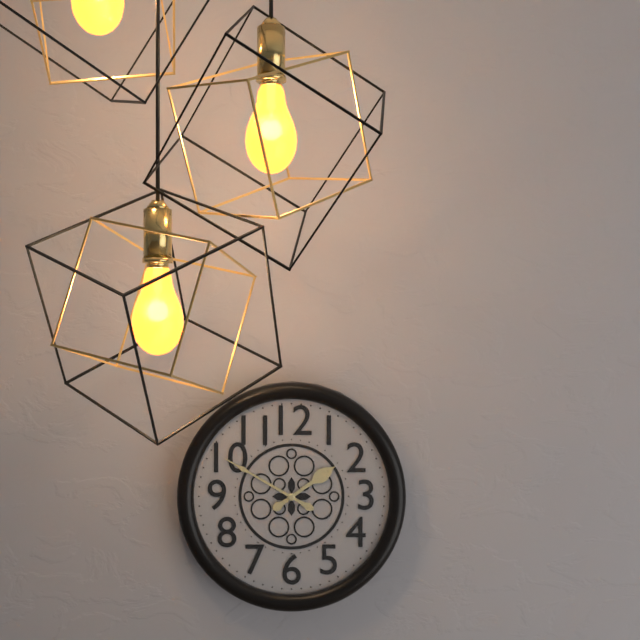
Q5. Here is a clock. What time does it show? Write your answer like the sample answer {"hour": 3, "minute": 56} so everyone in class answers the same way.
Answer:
{"hour": 1, "minute": 50}
